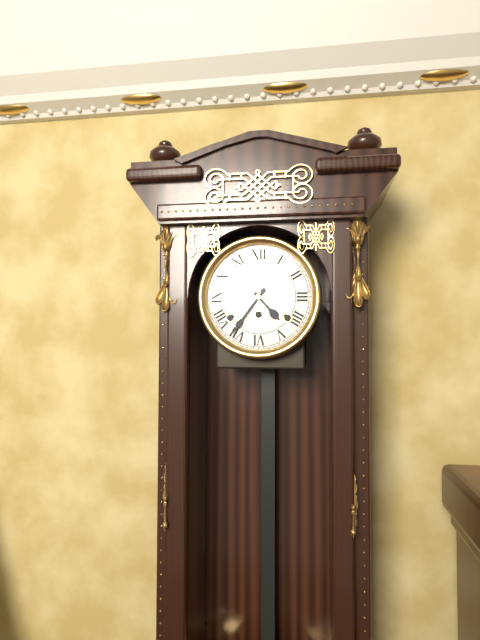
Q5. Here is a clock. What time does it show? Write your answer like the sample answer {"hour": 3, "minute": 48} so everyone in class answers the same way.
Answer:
{"hour": 4, "minute": 36}
